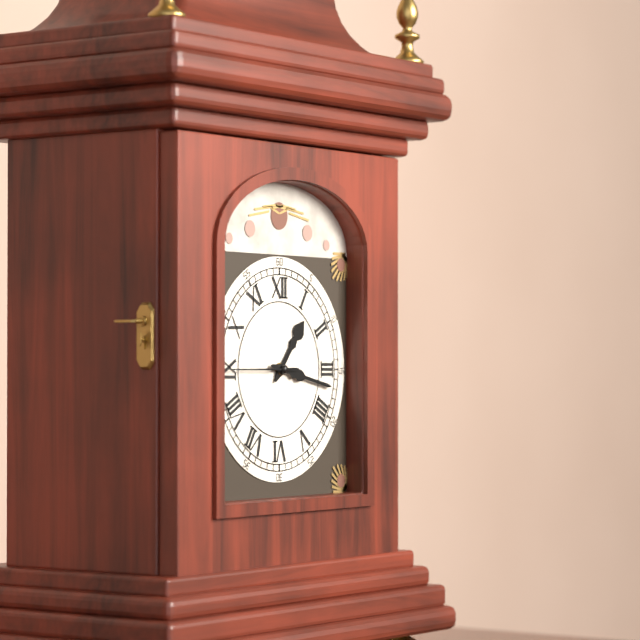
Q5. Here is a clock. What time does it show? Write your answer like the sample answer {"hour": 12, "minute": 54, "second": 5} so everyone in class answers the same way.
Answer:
{"hour": 1, "minute": 17, "second": 45}
